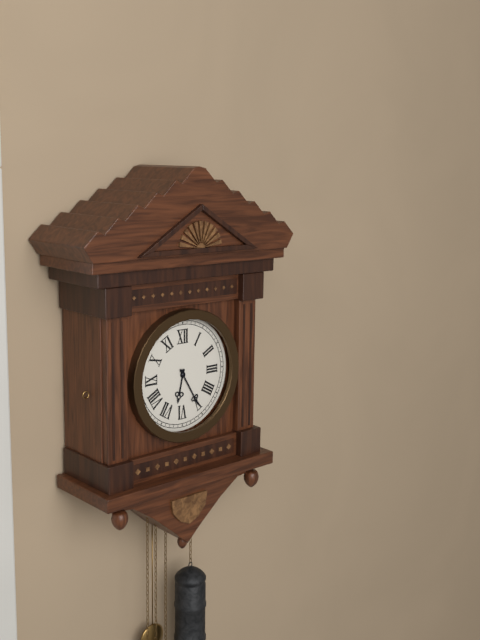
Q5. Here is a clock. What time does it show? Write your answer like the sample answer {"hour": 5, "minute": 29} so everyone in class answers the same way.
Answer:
{"hour": 6, "minute": 25}
